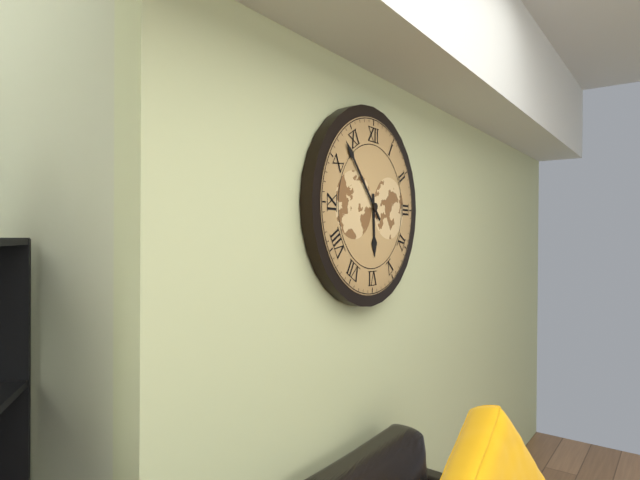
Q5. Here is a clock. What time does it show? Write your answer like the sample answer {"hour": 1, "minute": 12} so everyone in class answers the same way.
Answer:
{"hour": 5, "minute": 53}
